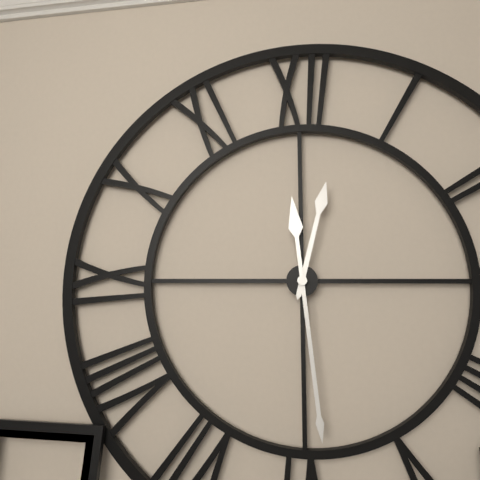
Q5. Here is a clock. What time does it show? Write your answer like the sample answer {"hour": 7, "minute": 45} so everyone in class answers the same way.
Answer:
{"hour": 12, "minute": 29}
